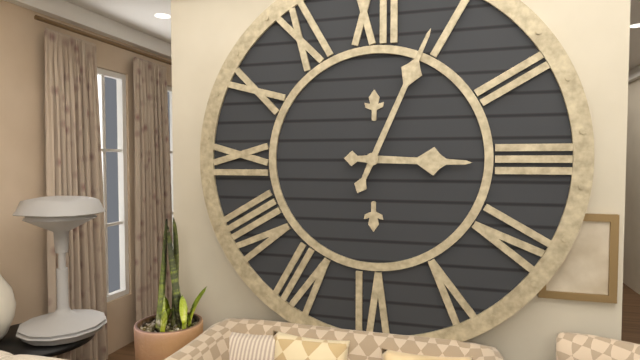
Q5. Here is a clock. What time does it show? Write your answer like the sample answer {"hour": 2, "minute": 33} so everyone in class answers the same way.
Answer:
{"hour": 3, "minute": 4}
